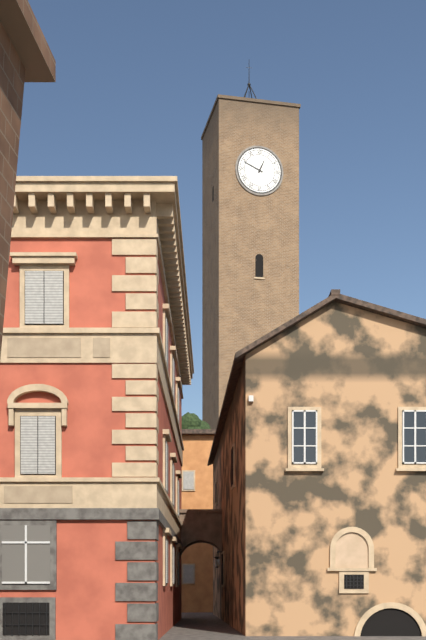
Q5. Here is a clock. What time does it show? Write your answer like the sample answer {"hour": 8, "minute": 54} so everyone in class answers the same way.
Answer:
{"hour": 12, "minute": 49}
